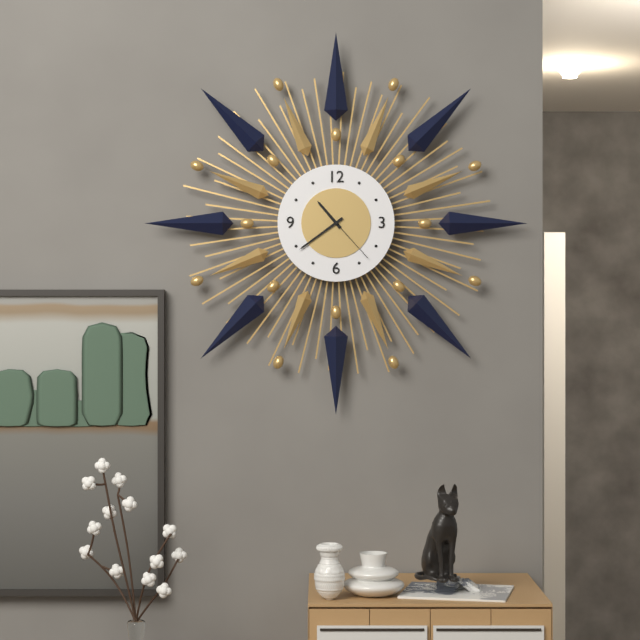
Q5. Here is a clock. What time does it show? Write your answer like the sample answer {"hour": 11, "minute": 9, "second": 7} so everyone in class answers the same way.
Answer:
{"hour": 10, "minute": 39, "second": 23}
